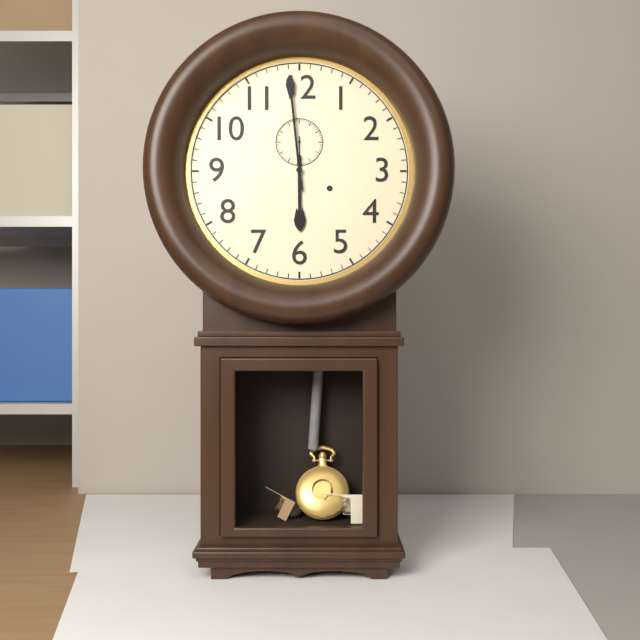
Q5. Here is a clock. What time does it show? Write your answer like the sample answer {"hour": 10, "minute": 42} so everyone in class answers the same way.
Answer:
{"hour": 5, "minute": 59}
